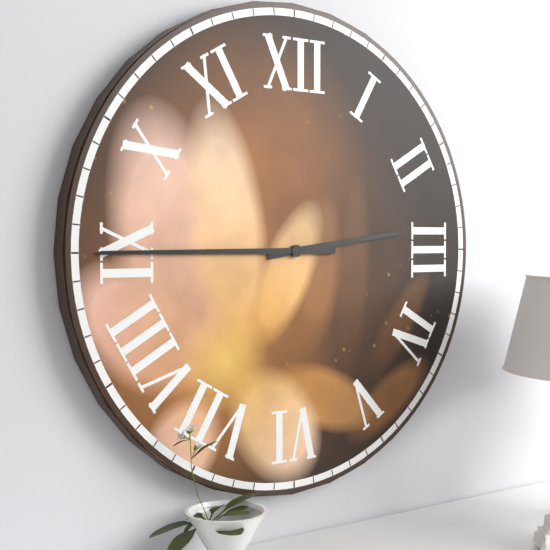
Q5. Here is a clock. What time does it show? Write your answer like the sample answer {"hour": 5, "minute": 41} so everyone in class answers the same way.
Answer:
{"hour": 2, "minute": 45}
